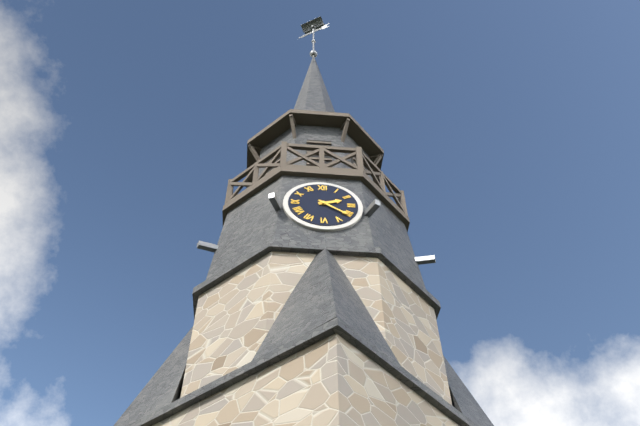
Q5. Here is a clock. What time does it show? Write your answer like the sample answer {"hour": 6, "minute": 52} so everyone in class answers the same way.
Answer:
{"hour": 2, "minute": 21}
